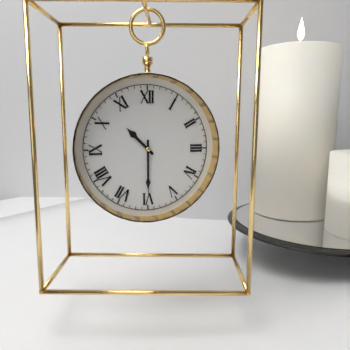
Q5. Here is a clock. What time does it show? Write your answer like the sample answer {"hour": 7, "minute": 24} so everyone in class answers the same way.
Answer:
{"hour": 10, "minute": 30}
